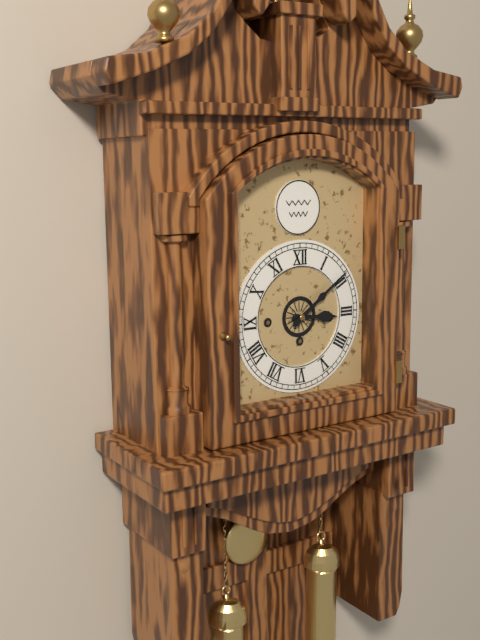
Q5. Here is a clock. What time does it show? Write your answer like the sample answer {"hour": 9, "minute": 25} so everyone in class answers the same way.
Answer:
{"hour": 3, "minute": 9}
